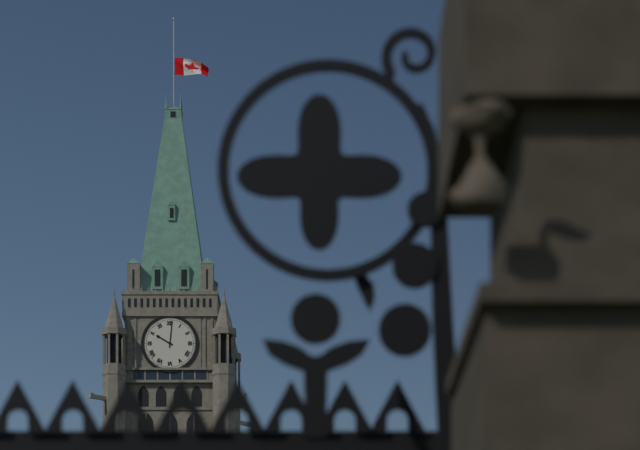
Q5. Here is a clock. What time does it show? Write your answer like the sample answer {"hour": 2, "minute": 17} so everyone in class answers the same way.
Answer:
{"hour": 10, "minute": 1}
